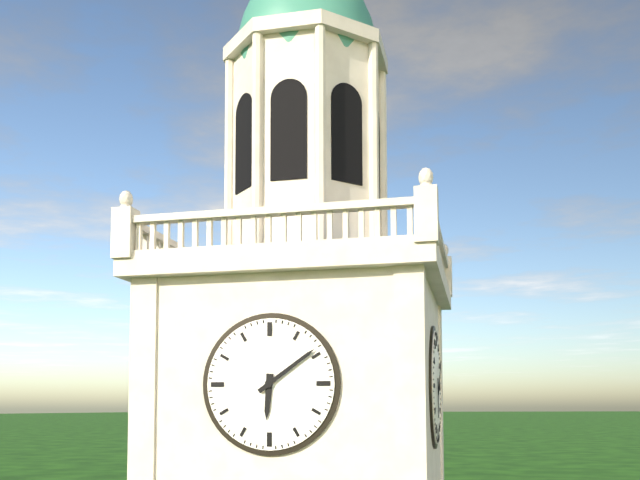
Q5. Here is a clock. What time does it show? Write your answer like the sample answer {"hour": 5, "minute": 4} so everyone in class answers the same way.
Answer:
{"hour": 6, "minute": 9}
